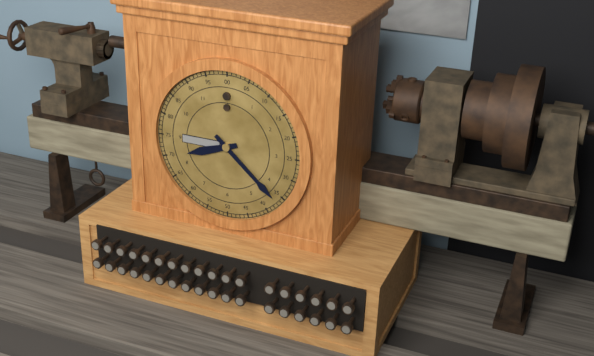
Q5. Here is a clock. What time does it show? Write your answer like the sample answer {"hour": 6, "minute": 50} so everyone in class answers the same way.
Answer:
{"hour": 8, "minute": 22}
